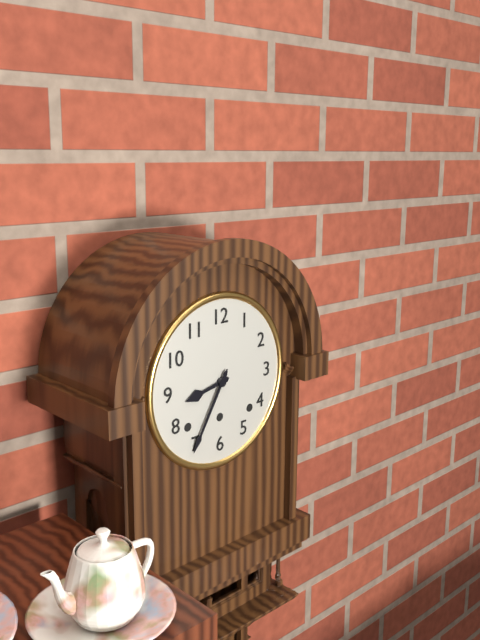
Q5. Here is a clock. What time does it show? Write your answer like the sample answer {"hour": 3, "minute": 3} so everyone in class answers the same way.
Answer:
{"hour": 8, "minute": 35}
